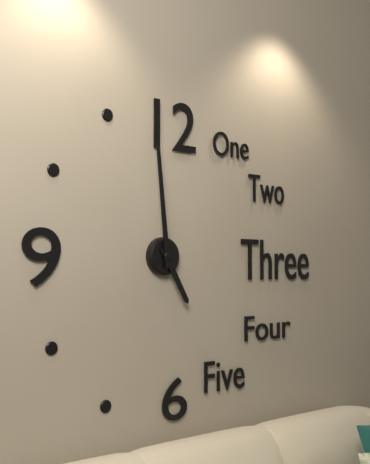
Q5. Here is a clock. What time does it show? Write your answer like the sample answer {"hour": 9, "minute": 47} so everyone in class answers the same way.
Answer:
{"hour": 4, "minute": 59}
